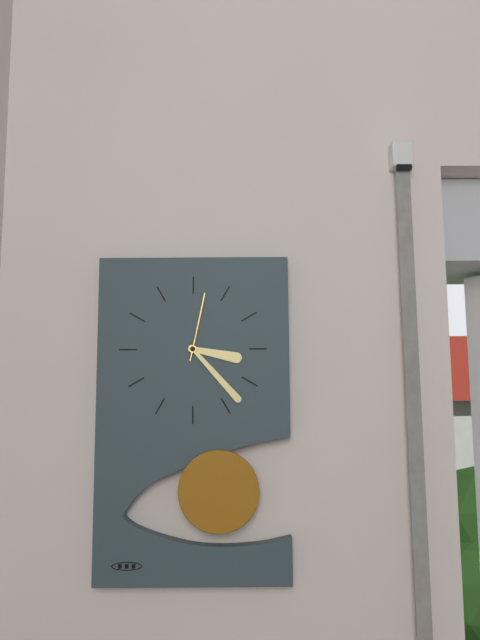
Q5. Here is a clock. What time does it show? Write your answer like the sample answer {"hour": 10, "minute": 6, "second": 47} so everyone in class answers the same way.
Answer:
{"hour": 3, "minute": 23, "second": 2}
